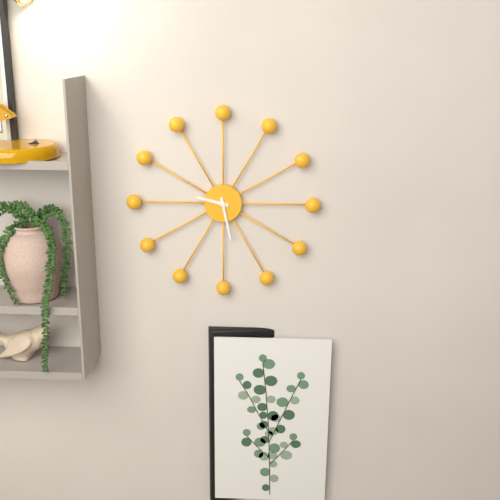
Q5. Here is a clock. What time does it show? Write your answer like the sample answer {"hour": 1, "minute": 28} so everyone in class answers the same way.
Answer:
{"hour": 9, "minute": 28}
